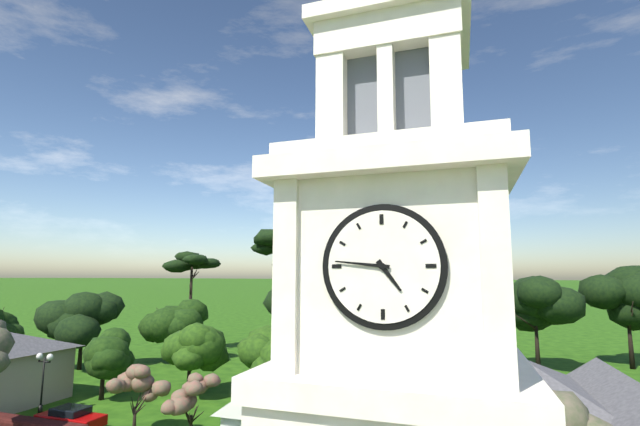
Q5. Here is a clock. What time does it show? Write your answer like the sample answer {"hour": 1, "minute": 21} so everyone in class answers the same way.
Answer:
{"hour": 4, "minute": 46}
